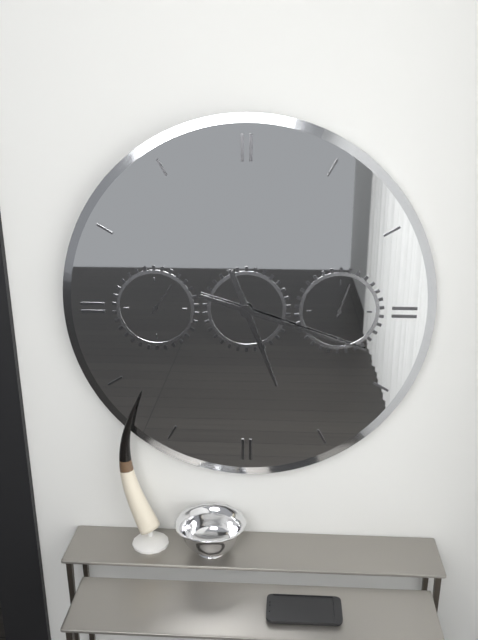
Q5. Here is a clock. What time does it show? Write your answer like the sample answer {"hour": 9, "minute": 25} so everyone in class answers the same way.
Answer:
{"hour": 5, "minute": 18}
